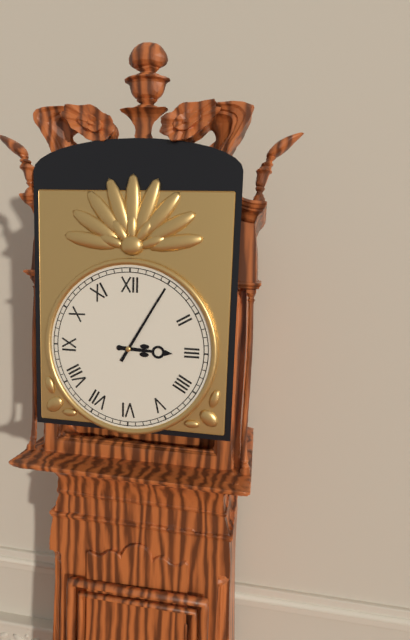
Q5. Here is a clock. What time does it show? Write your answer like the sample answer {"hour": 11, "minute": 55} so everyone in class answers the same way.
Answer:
{"hour": 3, "minute": 5}
